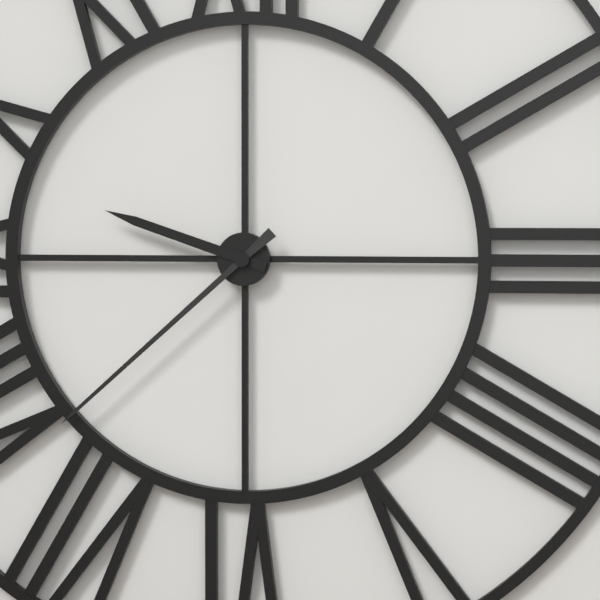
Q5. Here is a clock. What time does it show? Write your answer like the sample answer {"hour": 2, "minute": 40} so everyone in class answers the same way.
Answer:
{"hour": 9, "minute": 38}
